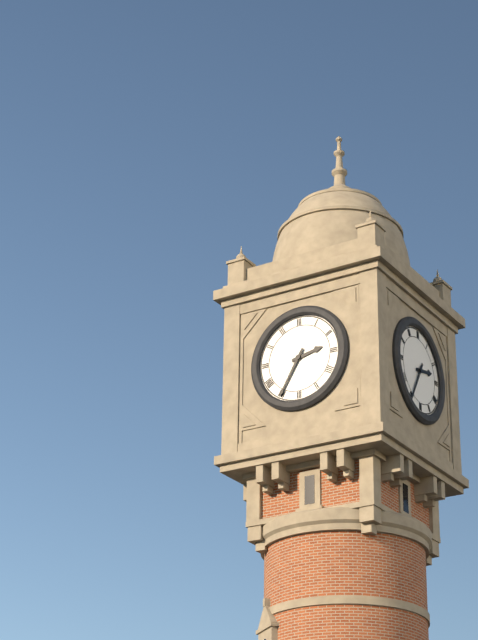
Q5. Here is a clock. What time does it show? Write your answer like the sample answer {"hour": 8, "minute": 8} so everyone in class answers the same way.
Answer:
{"hour": 2, "minute": 35}
